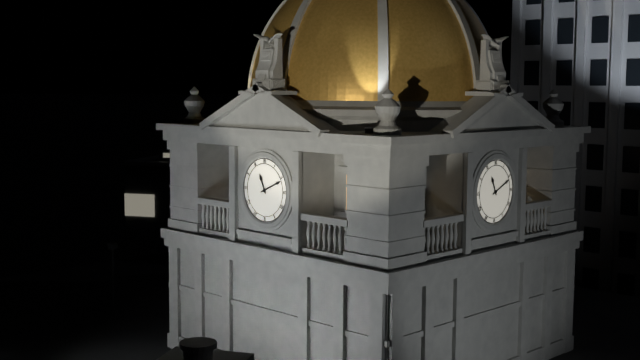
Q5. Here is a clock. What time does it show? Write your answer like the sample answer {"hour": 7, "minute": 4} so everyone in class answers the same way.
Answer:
{"hour": 11, "minute": 11}
